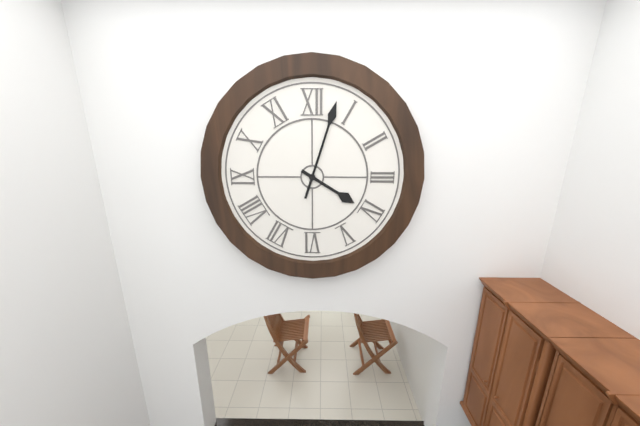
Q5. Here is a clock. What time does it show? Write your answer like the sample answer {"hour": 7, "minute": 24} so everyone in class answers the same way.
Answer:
{"hour": 4, "minute": 3}
